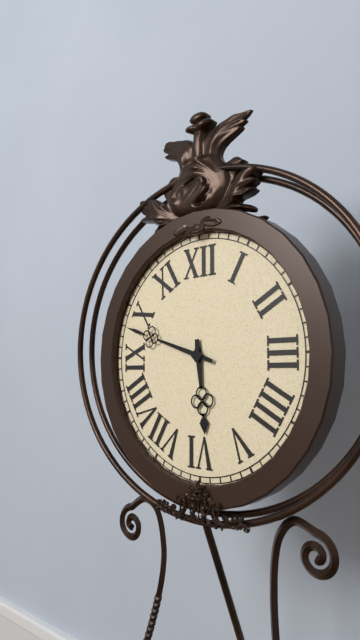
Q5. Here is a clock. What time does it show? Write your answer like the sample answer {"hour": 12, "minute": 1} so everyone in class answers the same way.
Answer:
{"hour": 5, "minute": 48}
